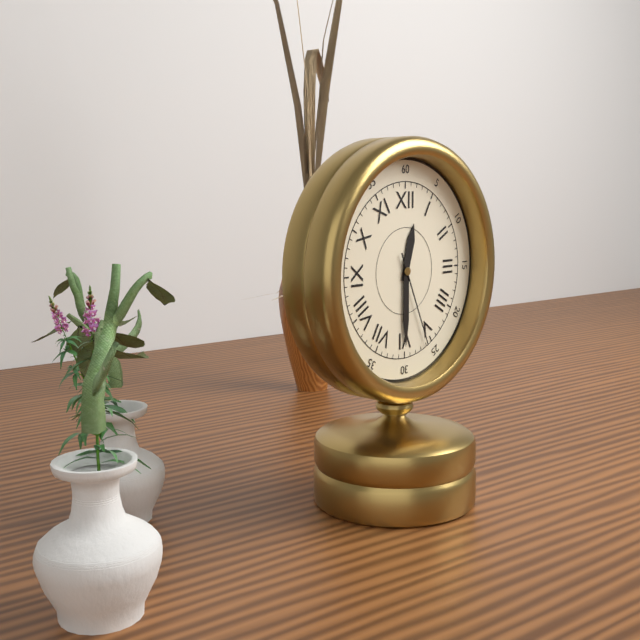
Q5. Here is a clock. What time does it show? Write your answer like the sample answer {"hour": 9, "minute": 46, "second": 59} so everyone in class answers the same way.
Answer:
{"hour": 12, "minute": 30, "second": 26}
